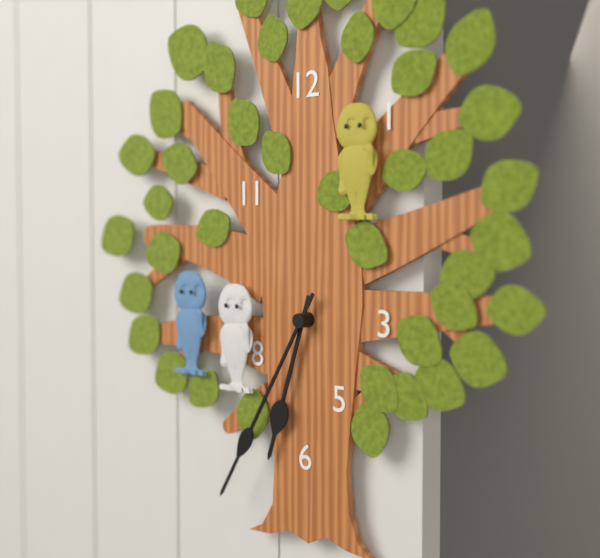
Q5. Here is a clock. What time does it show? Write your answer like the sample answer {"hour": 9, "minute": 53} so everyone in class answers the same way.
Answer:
{"hour": 6, "minute": 35}
